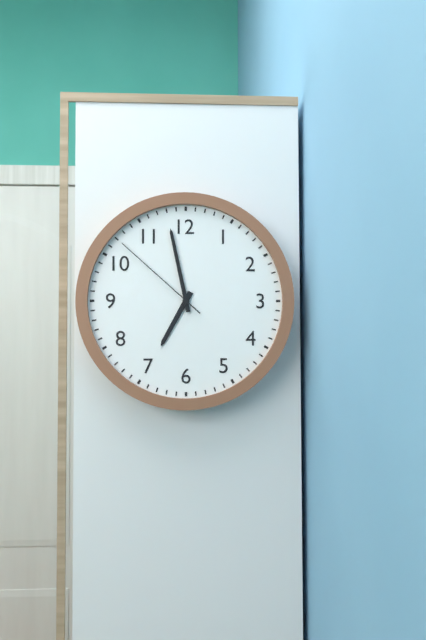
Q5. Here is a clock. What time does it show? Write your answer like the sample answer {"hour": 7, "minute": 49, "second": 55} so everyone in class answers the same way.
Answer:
{"hour": 6, "minute": 58, "second": 52}
